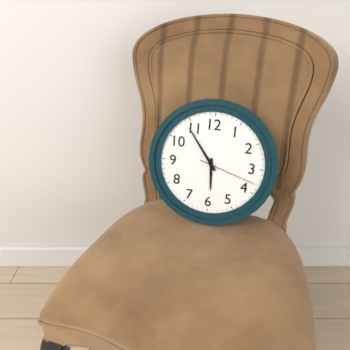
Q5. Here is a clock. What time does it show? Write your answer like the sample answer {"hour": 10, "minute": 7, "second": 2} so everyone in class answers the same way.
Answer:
{"hour": 5, "minute": 54, "second": 18}
